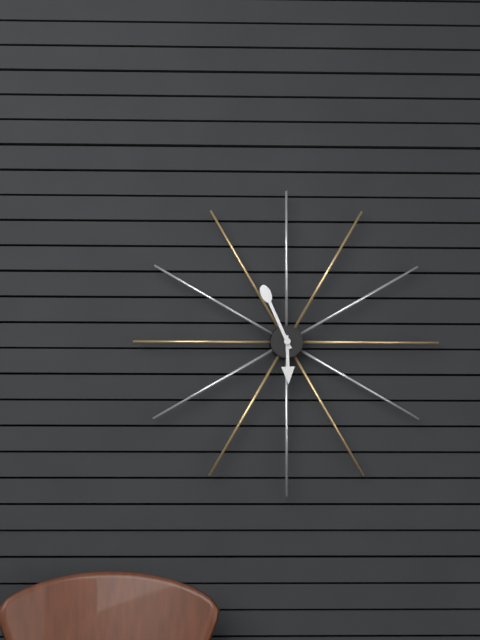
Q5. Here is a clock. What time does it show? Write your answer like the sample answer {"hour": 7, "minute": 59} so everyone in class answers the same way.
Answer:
{"hour": 5, "minute": 56}
